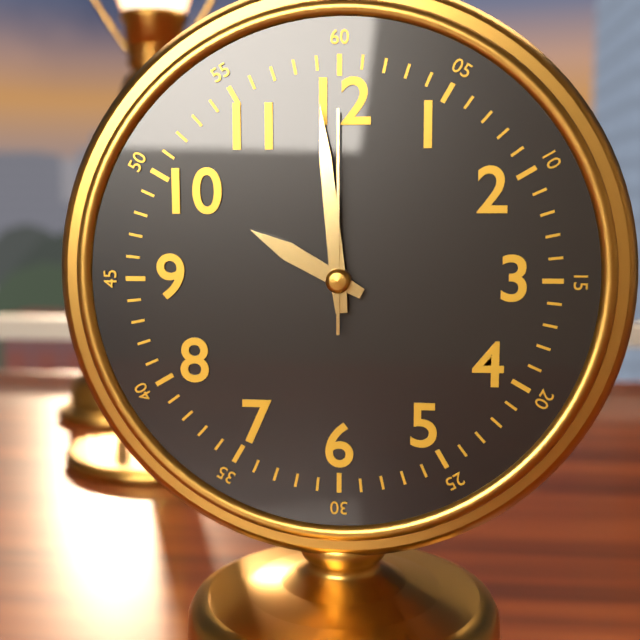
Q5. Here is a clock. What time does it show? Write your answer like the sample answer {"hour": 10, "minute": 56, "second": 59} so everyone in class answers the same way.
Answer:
{"hour": 9, "minute": 59, "second": 0}
